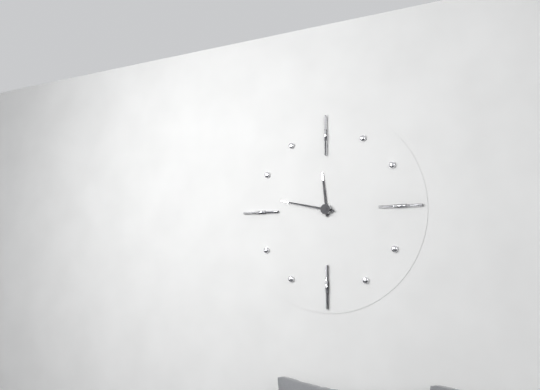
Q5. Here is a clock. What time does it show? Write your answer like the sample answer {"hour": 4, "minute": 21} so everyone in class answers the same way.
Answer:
{"hour": 11, "minute": 47}
